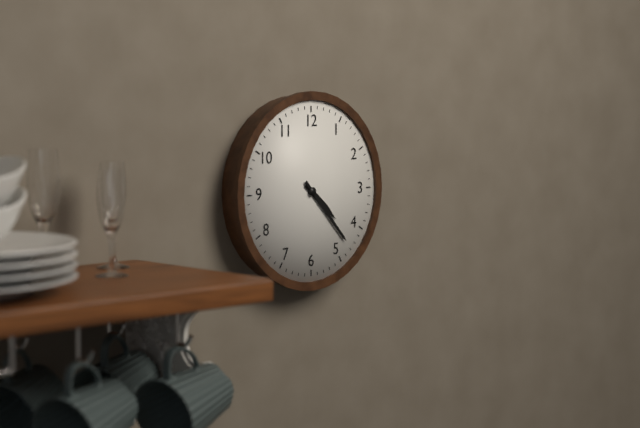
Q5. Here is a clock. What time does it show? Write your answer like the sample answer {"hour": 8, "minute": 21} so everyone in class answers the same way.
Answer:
{"hour": 4, "minute": 23}
